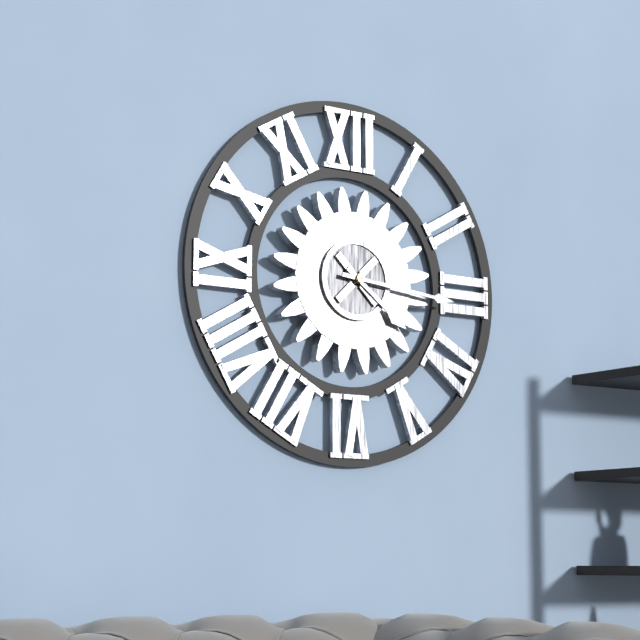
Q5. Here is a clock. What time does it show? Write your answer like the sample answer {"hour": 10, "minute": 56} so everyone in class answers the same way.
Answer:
{"hour": 4, "minute": 16}
